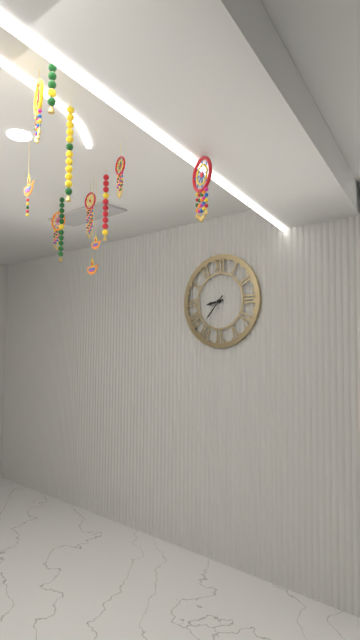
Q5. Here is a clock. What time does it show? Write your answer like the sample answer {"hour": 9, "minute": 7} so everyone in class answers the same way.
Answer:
{"hour": 8, "minute": 37}
